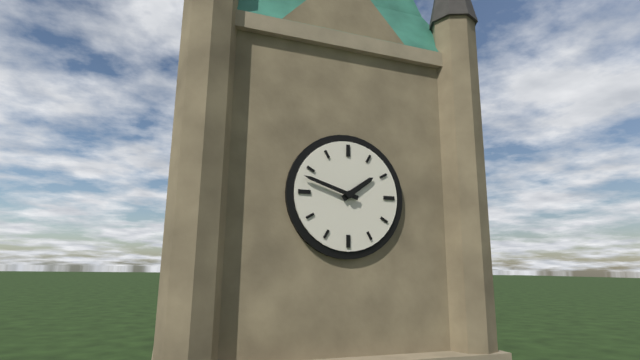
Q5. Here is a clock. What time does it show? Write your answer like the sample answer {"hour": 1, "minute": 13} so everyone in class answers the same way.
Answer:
{"hour": 1, "minute": 48}
